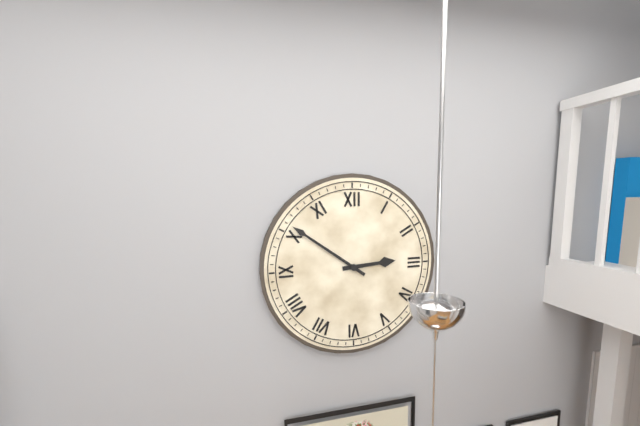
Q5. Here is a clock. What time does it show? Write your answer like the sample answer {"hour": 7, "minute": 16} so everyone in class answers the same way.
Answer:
{"hour": 2, "minute": 51}
